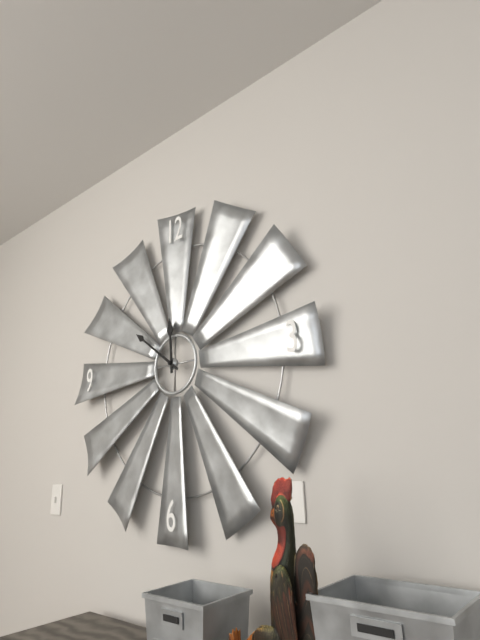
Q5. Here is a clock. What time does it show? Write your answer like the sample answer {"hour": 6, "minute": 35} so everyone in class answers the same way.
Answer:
{"hour": 11, "minute": 51}
